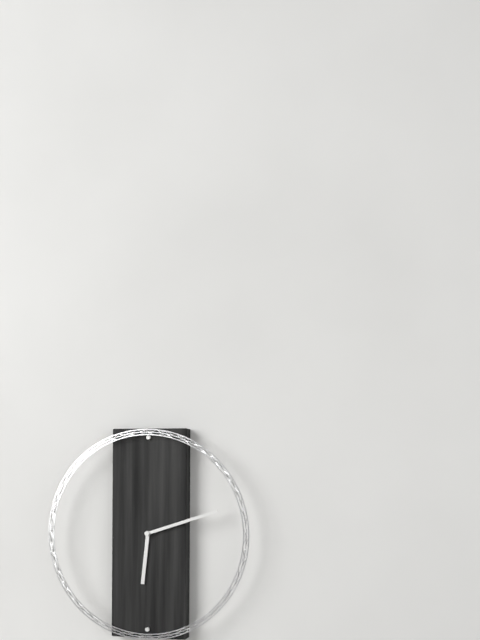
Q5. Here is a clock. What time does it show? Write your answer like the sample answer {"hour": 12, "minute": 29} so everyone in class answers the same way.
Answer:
{"hour": 6, "minute": 12}
